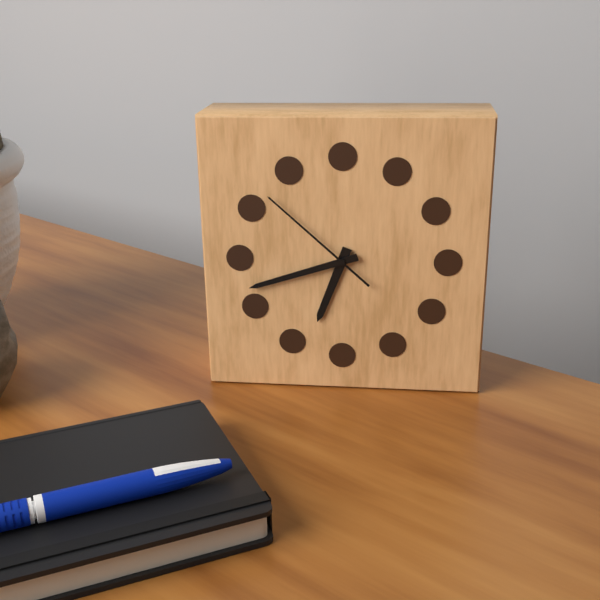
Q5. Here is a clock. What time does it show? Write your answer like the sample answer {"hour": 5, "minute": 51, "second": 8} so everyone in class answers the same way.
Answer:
{"hour": 6, "minute": 42, "second": 52}
